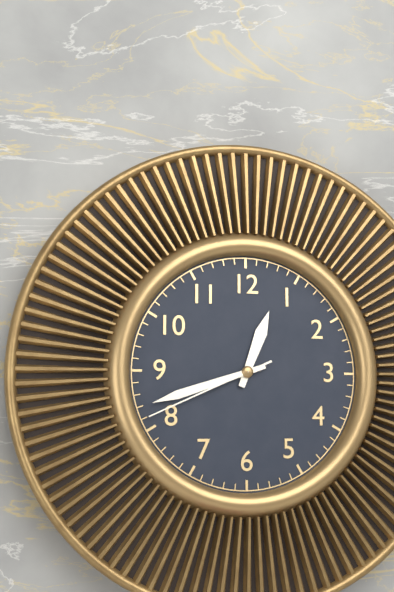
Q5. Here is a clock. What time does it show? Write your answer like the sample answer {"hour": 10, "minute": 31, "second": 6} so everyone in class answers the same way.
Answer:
{"hour": 12, "minute": 42, "second": 41}
